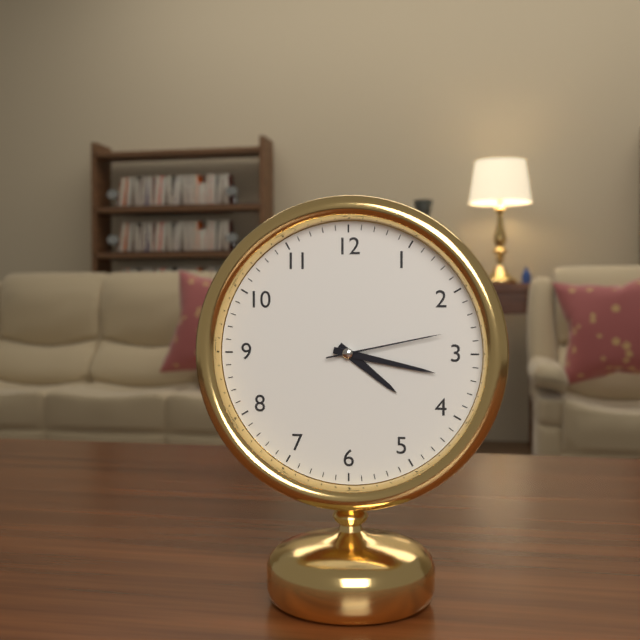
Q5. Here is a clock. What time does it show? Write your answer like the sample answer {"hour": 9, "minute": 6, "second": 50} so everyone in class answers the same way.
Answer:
{"hour": 4, "minute": 17, "second": 13}
